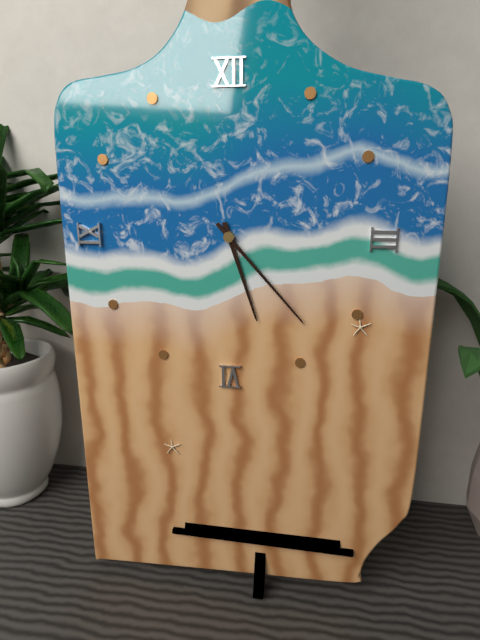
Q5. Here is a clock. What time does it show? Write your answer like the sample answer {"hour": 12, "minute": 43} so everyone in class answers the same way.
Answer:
{"hour": 5, "minute": 23}
